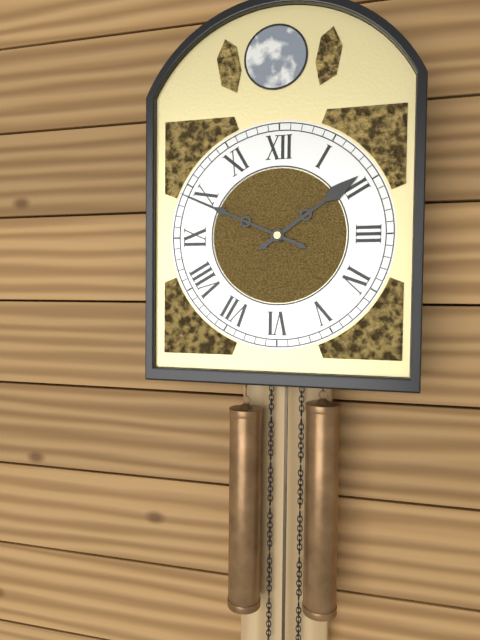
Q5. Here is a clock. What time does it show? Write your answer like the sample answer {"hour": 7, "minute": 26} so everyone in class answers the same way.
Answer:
{"hour": 1, "minute": 49}
